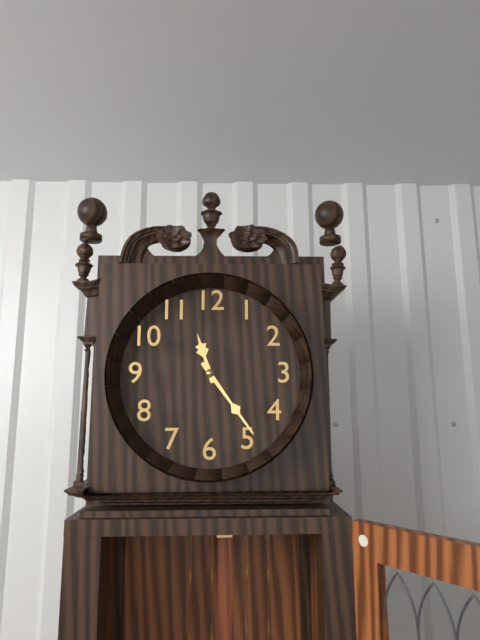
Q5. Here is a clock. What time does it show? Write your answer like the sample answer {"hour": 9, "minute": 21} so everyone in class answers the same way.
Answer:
{"hour": 11, "minute": 24}
